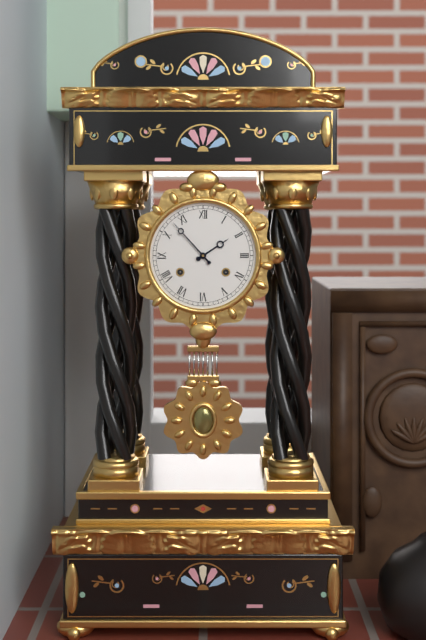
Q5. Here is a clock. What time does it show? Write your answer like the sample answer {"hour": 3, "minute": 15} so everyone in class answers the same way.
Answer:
{"hour": 1, "minute": 53}
